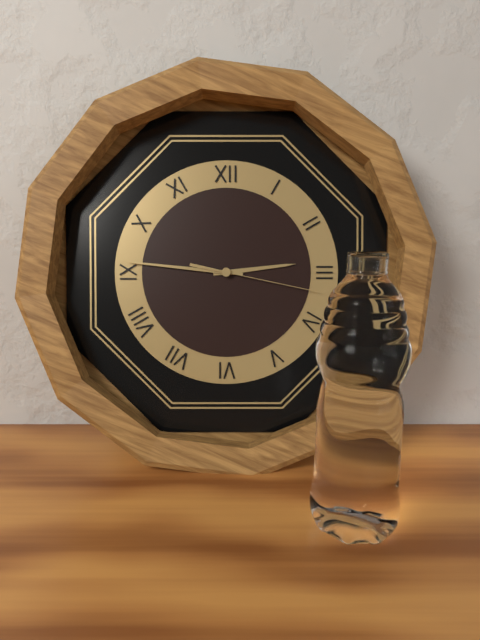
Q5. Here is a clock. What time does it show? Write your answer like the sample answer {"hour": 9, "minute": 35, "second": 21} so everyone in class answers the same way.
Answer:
{"hour": 2, "minute": 46, "second": 17}
